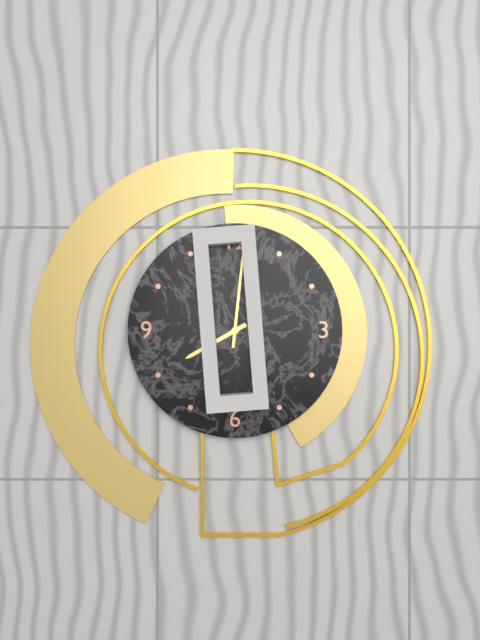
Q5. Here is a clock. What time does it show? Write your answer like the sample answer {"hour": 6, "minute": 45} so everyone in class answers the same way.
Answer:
{"hour": 8, "minute": 1}
